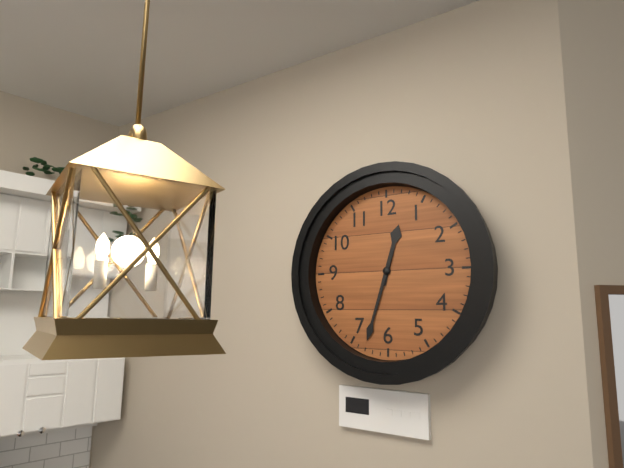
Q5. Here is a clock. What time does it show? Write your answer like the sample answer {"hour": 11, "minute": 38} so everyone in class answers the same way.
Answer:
{"hour": 12, "minute": 33}
